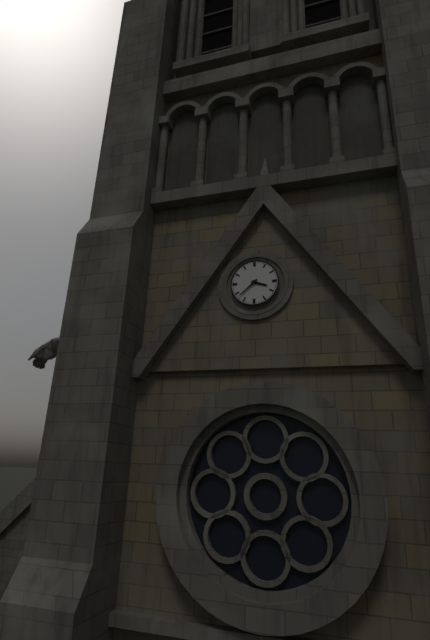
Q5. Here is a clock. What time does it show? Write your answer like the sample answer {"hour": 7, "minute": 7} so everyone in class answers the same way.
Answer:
{"hour": 3, "minute": 38}
